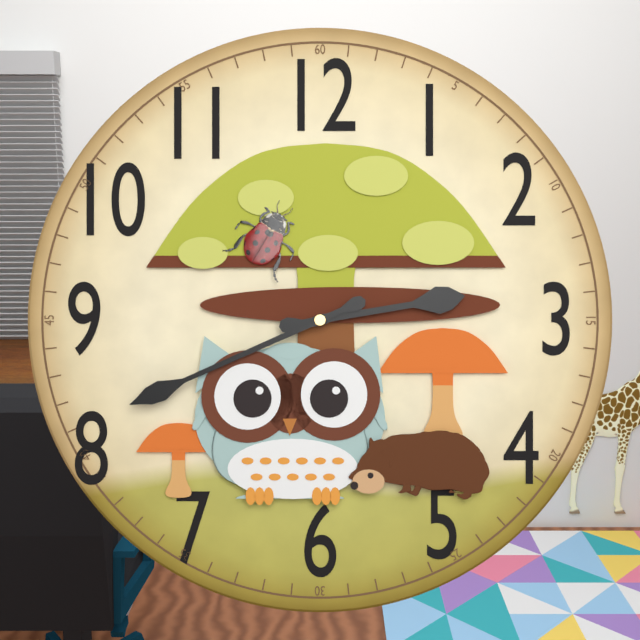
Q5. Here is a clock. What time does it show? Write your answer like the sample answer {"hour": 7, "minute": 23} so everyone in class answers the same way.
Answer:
{"hour": 2, "minute": 41}
